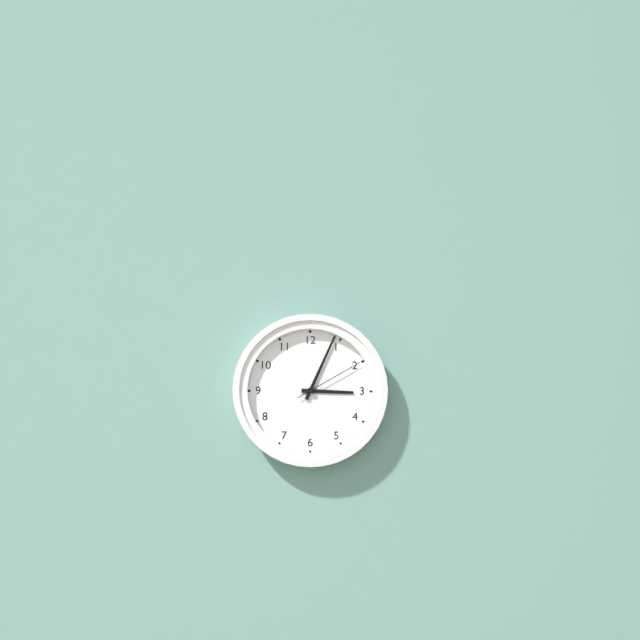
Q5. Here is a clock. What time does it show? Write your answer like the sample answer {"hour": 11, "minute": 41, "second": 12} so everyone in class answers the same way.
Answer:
{"hour": 3, "minute": 4, "second": 10}
